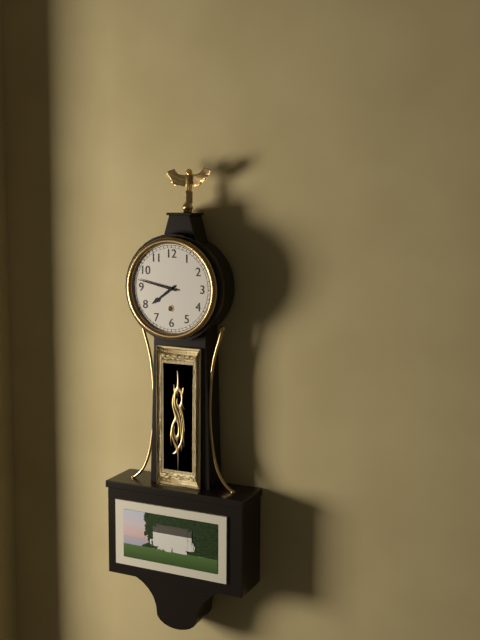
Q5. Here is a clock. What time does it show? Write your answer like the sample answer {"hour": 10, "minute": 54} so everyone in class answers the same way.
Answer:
{"hour": 7, "minute": 47}
